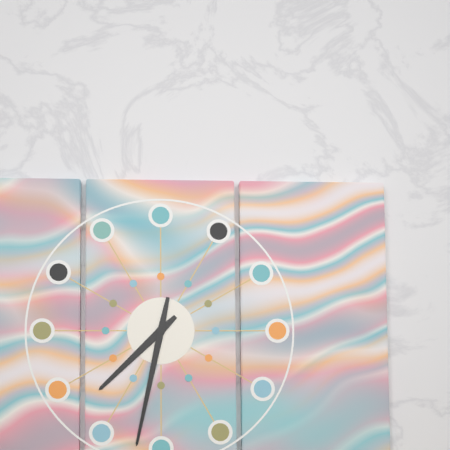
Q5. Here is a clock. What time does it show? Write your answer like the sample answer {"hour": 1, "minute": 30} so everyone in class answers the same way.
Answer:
{"hour": 7, "minute": 32}
